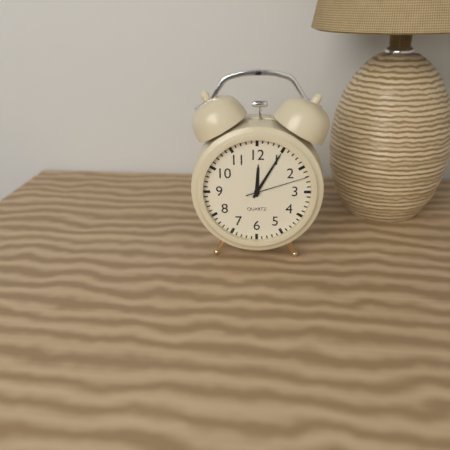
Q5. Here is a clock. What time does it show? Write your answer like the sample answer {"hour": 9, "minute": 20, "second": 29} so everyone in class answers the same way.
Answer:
{"hour": 12, "minute": 5, "second": 12}
